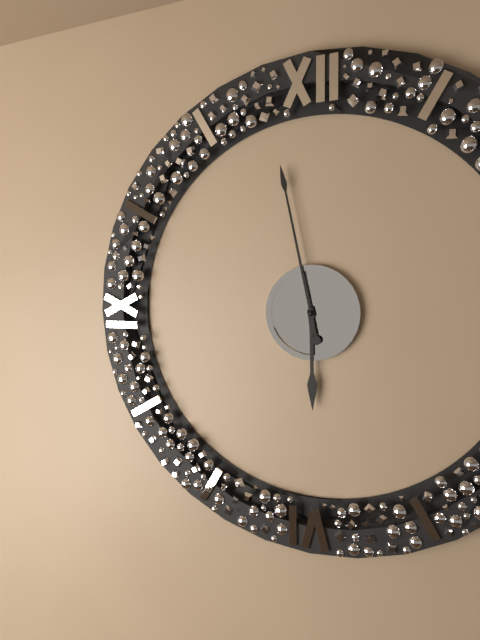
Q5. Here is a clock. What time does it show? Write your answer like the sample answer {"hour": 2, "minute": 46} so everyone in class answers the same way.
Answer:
{"hour": 5, "minute": 58}
